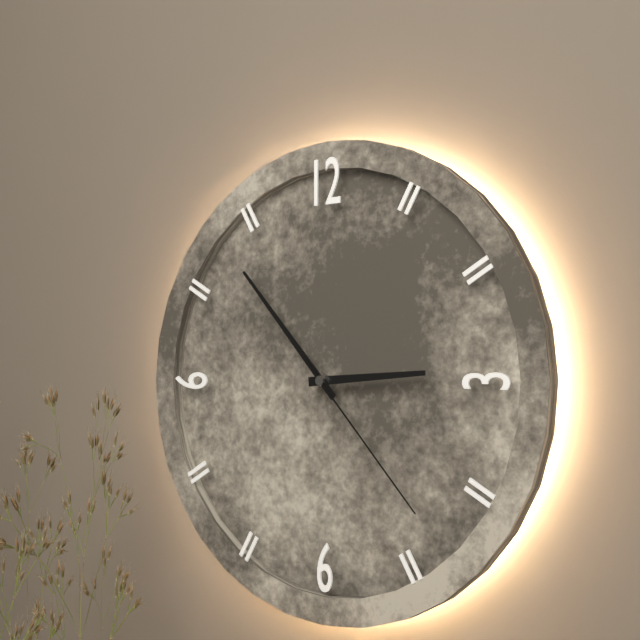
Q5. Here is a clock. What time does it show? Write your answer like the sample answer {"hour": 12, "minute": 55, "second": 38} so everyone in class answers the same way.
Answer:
{"hour": 2, "minute": 53, "second": 23}
